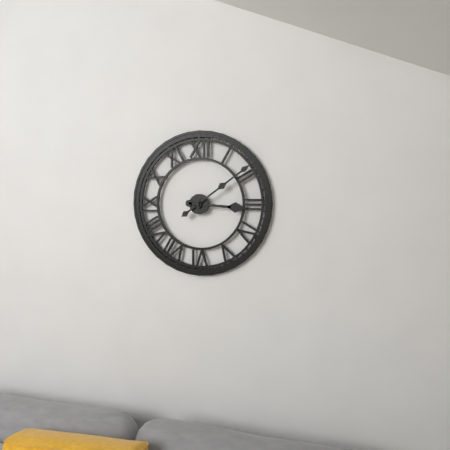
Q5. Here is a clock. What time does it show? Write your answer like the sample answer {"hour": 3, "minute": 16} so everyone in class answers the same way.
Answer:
{"hour": 3, "minute": 9}
